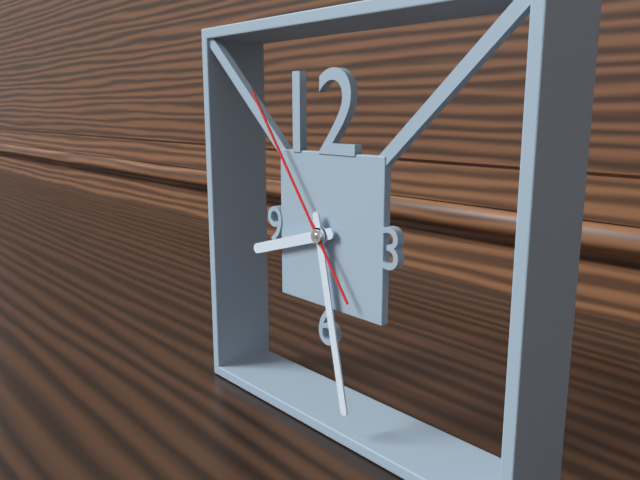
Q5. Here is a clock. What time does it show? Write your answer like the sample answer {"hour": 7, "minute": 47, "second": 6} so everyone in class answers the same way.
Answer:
{"hour": 8, "minute": 28, "second": 54}
